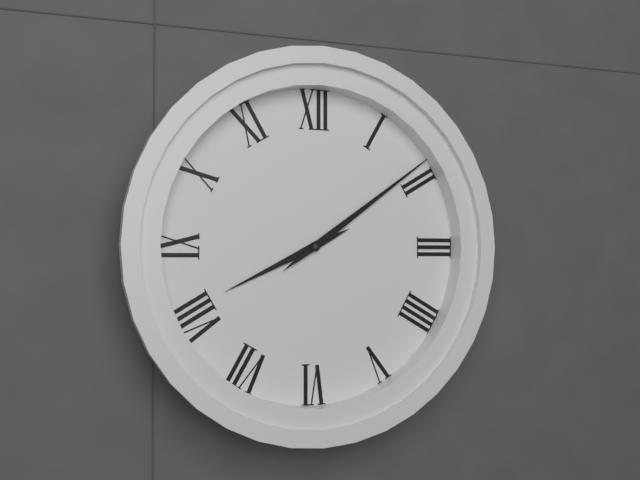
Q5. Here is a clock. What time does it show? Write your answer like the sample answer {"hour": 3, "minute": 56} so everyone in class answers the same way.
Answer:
{"hour": 8, "minute": 9}
